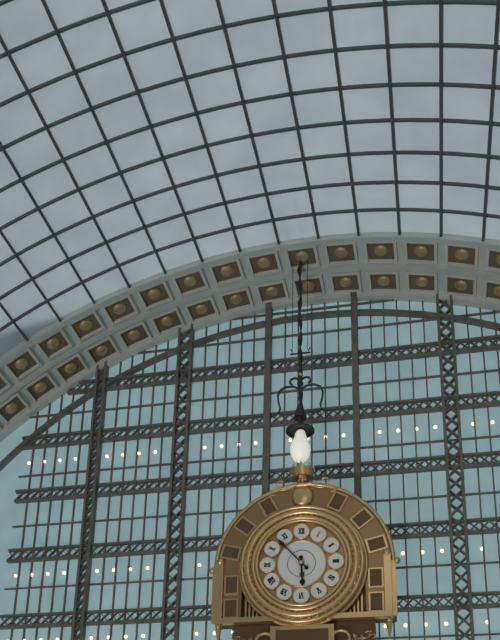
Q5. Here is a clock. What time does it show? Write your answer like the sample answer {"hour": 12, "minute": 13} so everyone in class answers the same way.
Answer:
{"hour": 5, "minute": 53}
